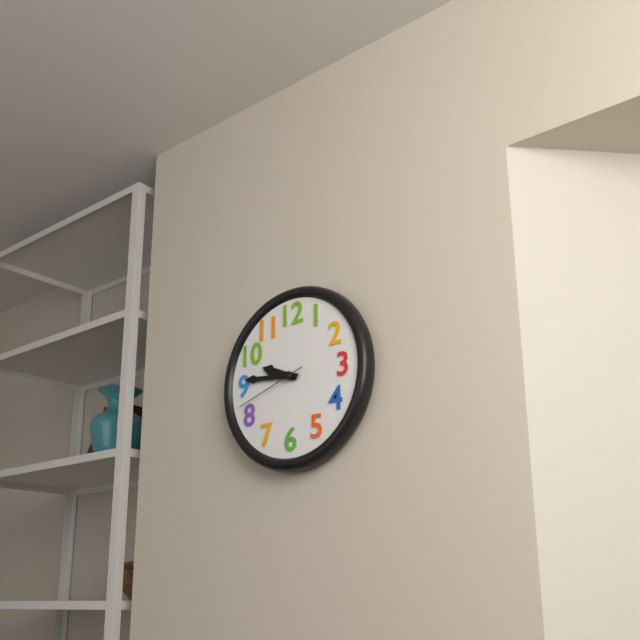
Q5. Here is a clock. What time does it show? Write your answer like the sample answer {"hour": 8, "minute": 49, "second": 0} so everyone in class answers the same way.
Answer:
{"hour": 9, "minute": 46, "second": 42}
